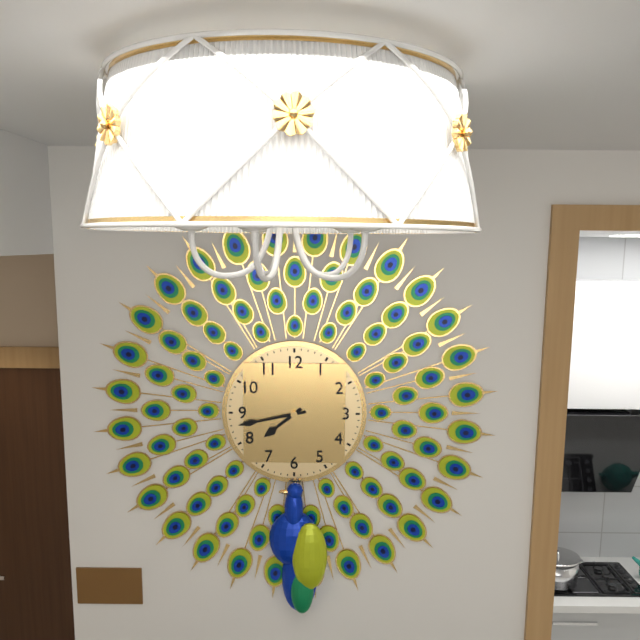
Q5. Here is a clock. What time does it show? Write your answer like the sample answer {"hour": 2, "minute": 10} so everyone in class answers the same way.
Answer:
{"hour": 7, "minute": 43}
